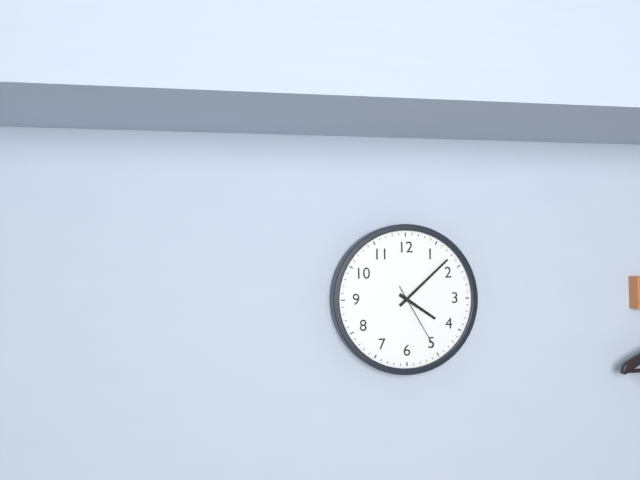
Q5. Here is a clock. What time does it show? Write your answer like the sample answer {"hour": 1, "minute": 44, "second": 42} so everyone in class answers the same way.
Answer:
{"hour": 4, "minute": 8, "second": 25}
